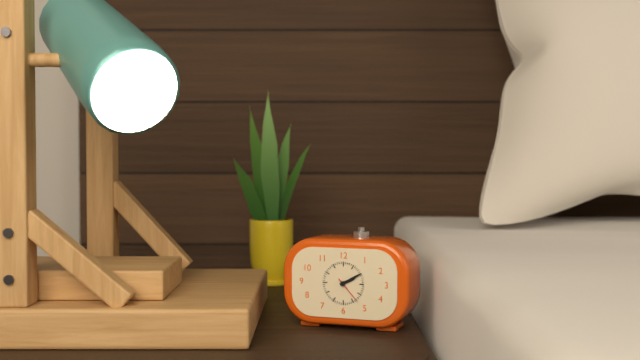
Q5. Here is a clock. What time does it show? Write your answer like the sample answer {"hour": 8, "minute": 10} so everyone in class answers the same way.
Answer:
{"hour": 2, "minute": 10}
